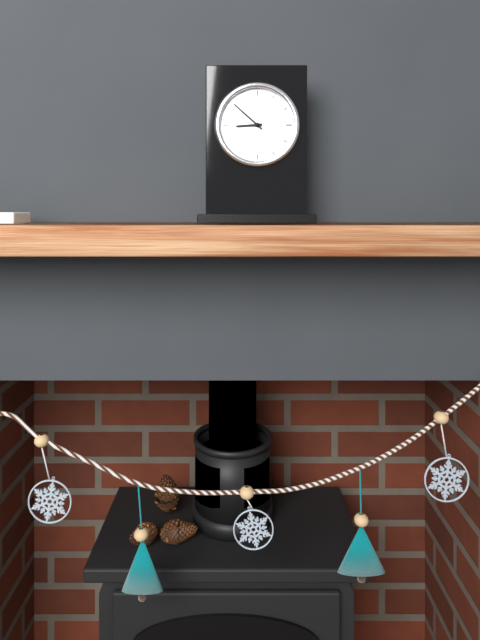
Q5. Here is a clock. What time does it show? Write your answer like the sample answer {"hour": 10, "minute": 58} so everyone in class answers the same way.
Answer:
{"hour": 8, "minute": 52}
